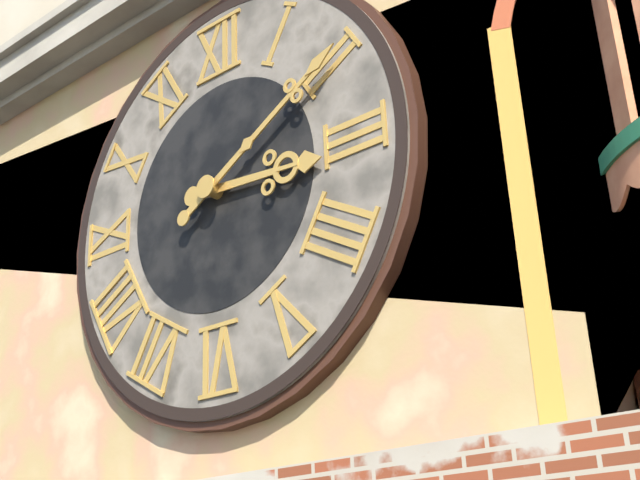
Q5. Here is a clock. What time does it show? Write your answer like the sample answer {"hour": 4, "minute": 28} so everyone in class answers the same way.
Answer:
{"hour": 3, "minute": 10}
